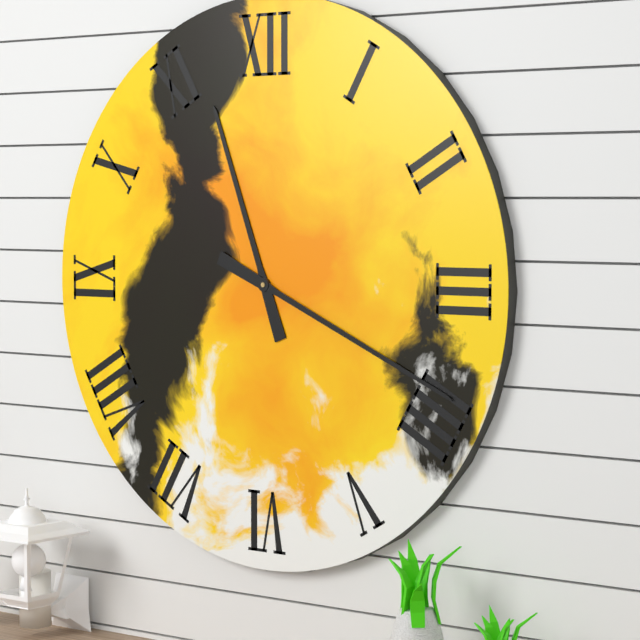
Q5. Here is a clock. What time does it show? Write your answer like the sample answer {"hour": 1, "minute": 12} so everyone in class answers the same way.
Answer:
{"hour": 11, "minute": 19}
